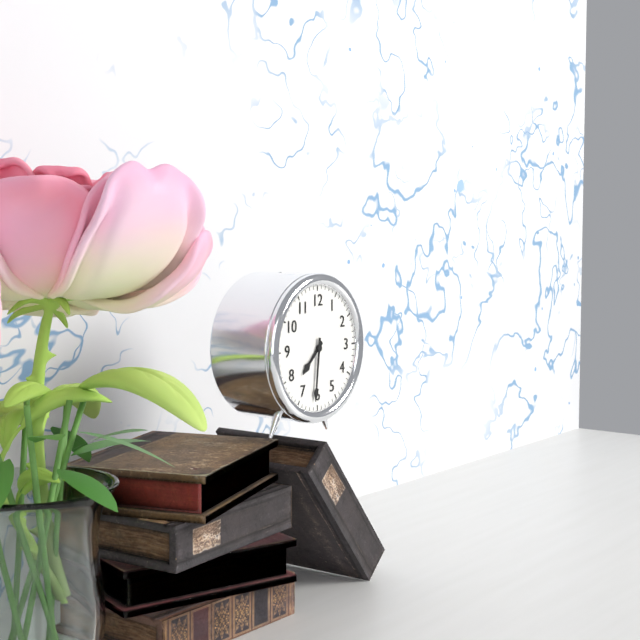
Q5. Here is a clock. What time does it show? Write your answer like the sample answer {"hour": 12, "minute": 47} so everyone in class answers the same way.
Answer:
{"hour": 7, "minute": 31}
